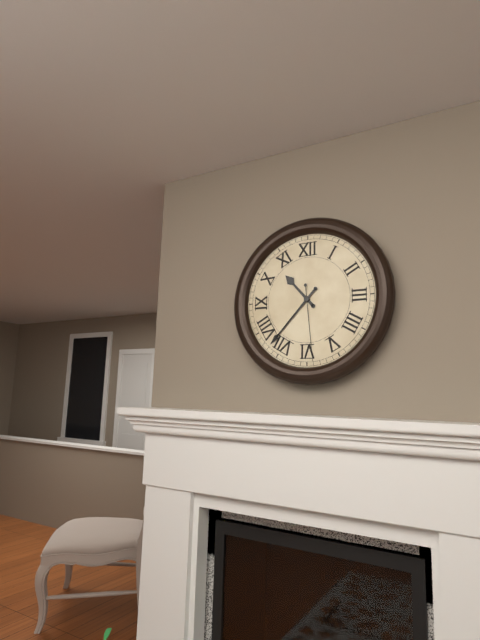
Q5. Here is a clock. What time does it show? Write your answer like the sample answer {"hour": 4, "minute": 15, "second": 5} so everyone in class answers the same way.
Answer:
{"hour": 10, "minute": 37, "second": 29}
